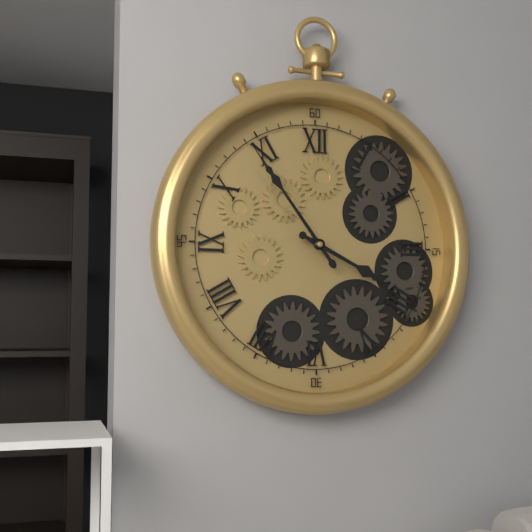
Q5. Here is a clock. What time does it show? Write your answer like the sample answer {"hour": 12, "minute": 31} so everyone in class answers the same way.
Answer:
{"hour": 3, "minute": 54}
